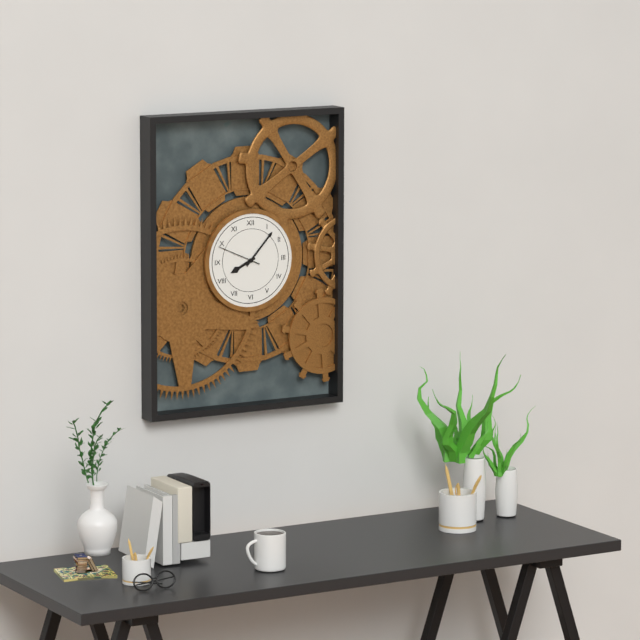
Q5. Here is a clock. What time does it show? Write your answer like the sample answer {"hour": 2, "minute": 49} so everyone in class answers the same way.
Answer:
{"hour": 8, "minute": 7}
